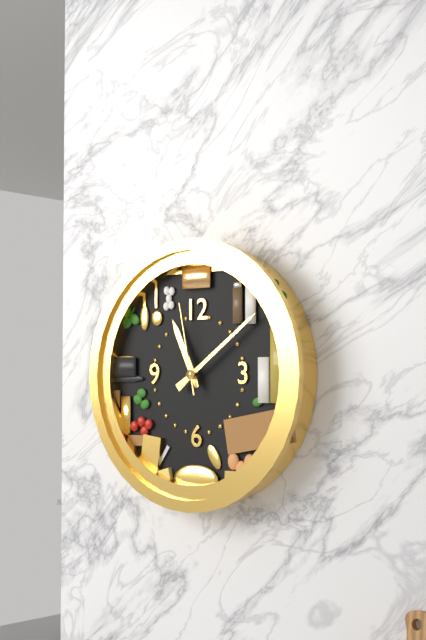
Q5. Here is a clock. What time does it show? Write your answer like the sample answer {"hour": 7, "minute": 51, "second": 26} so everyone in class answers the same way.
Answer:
{"hour": 11, "minute": 9, "second": 58}
